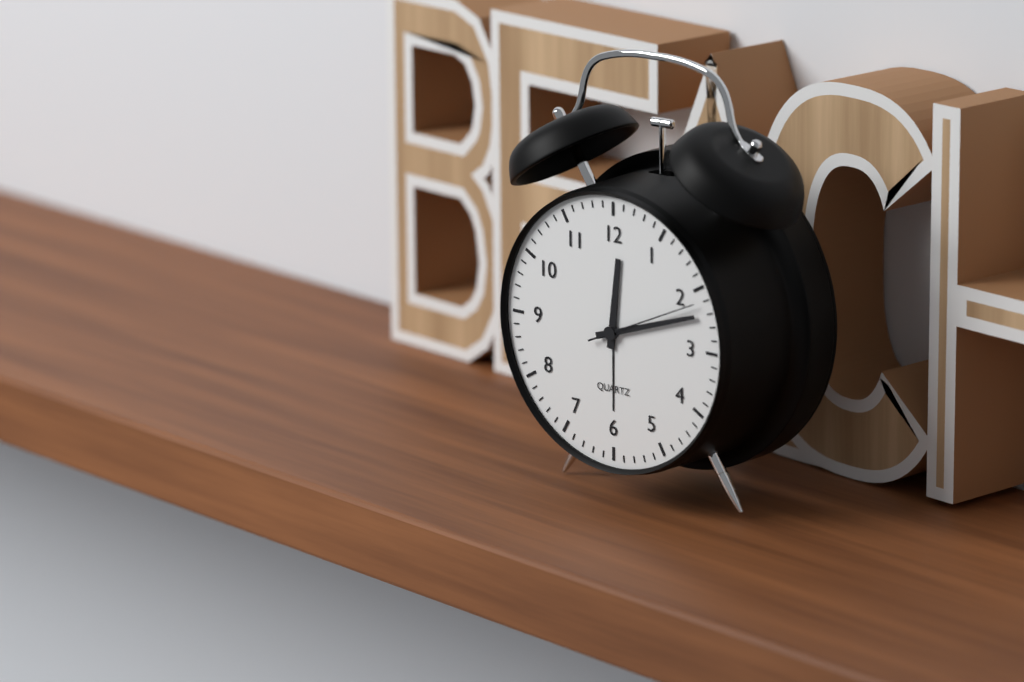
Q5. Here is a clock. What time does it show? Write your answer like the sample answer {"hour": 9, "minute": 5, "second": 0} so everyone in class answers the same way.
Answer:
{"hour": 12, "minute": 12, "second": 11}
